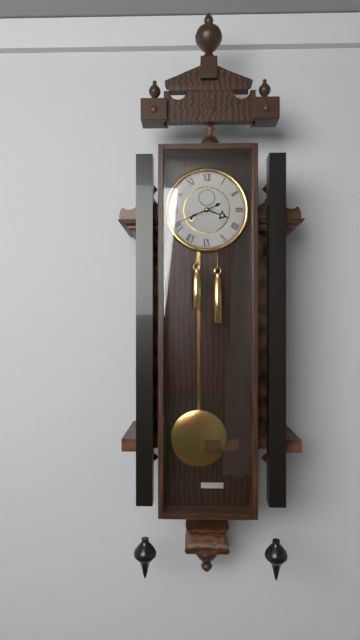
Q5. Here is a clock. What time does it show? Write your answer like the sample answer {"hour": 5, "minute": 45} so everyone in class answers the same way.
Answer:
{"hour": 3, "minute": 41}
